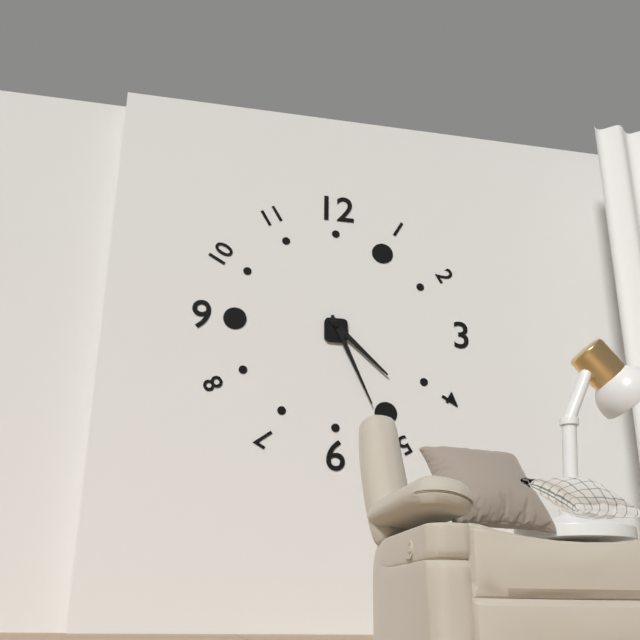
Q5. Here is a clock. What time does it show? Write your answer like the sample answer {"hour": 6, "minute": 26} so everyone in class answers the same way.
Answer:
{"hour": 4, "minute": 26}
